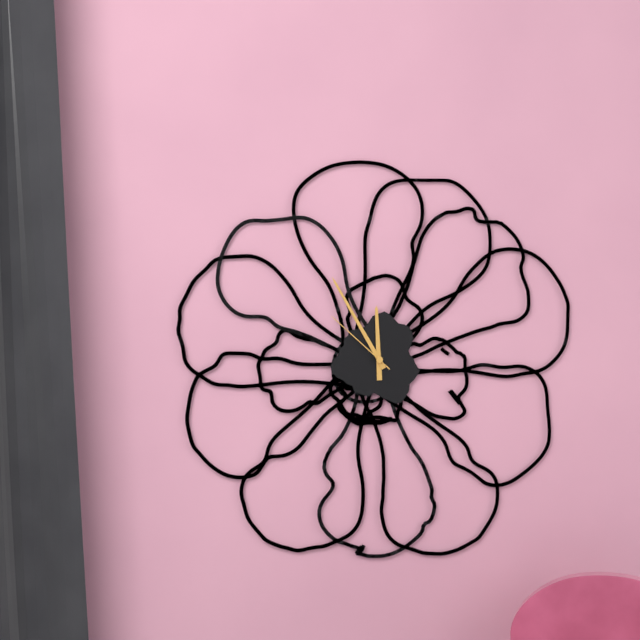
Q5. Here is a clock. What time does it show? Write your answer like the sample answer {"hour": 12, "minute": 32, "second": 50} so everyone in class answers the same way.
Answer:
{"hour": 11, "minute": 55, "second": 52}
